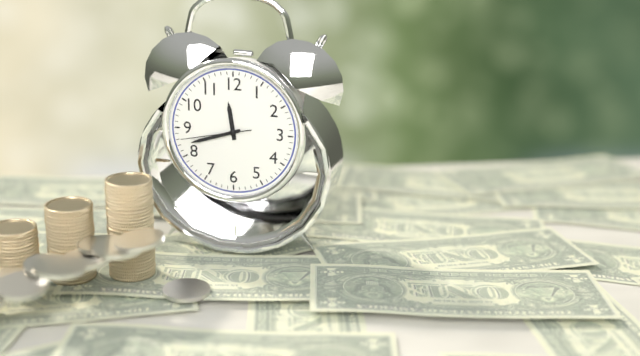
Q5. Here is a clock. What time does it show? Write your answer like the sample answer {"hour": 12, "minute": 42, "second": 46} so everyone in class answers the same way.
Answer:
{"hour": 11, "minute": 42, "second": 43}
